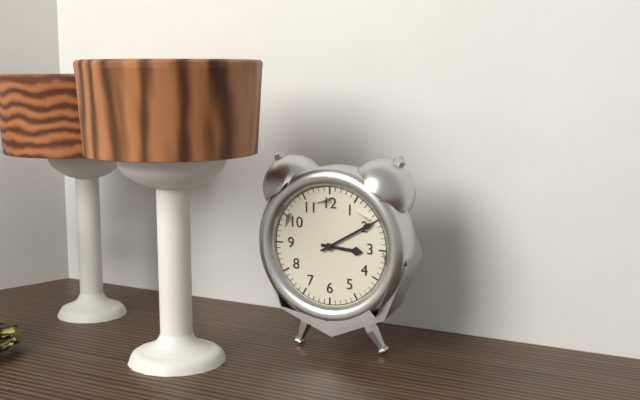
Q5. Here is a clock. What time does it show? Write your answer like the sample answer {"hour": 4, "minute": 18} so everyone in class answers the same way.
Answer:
{"hour": 3, "minute": 10}
